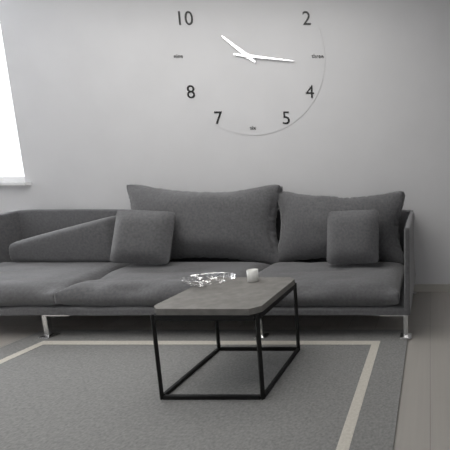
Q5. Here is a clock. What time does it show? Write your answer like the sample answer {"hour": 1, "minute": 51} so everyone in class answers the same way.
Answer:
{"hour": 10, "minute": 16}
